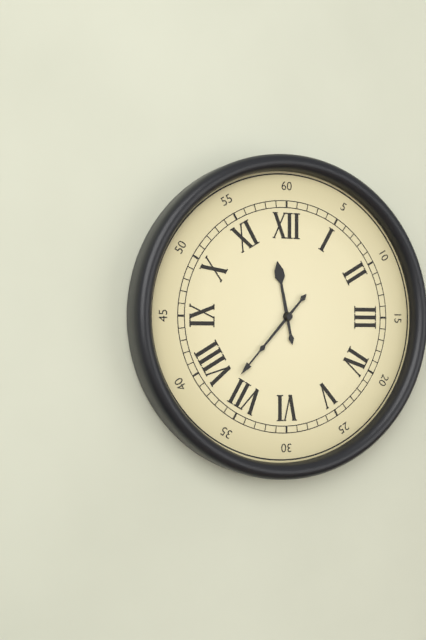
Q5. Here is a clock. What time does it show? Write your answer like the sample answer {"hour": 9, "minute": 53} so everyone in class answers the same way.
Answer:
{"hour": 11, "minute": 37}
